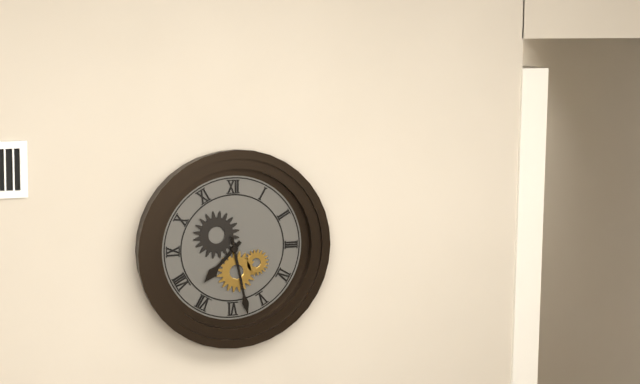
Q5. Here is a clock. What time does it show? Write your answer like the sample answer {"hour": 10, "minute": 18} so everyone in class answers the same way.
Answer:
{"hour": 7, "minute": 28}
